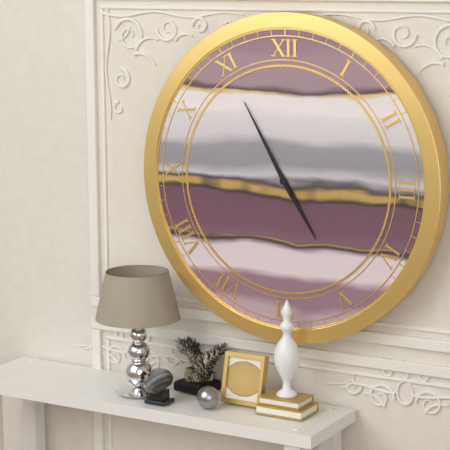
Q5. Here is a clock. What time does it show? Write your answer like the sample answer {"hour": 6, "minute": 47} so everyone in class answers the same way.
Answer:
{"hour": 4, "minute": 55}
